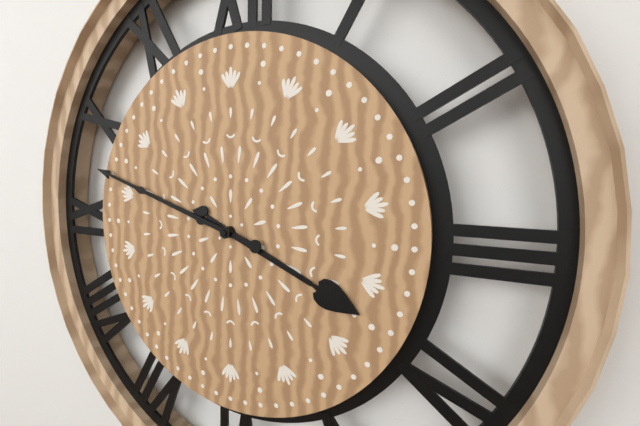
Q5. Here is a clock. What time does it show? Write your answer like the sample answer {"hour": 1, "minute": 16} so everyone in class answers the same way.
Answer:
{"hour": 3, "minute": 48}
